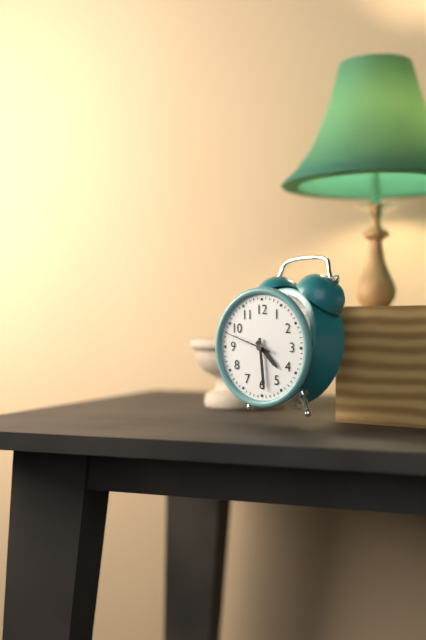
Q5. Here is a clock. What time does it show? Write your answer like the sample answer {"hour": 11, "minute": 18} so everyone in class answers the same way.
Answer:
{"hour": 4, "minute": 29}
